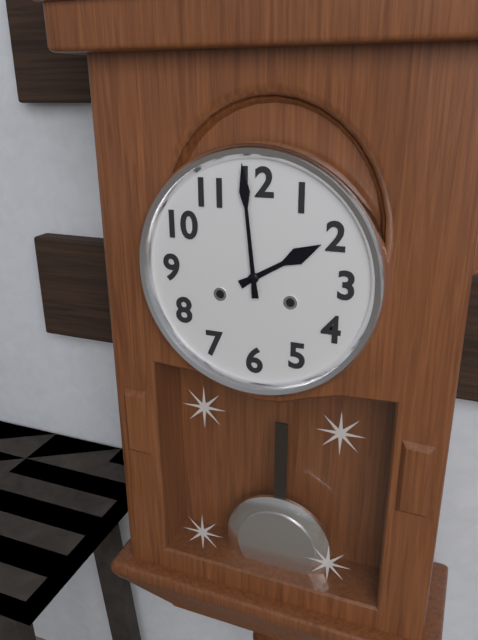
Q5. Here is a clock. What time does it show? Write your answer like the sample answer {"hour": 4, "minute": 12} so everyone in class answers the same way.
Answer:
{"hour": 1, "minute": 59}
